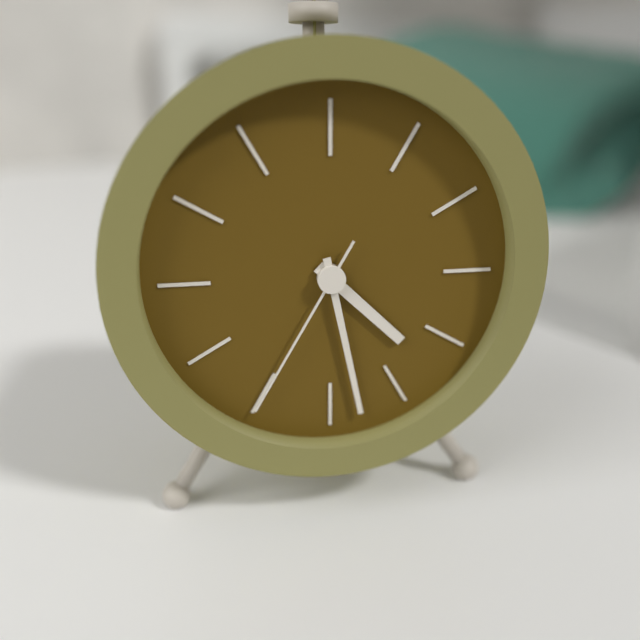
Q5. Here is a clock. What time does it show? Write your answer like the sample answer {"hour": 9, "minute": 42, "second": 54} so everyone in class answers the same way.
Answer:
{"hour": 4, "minute": 28, "second": 35}
